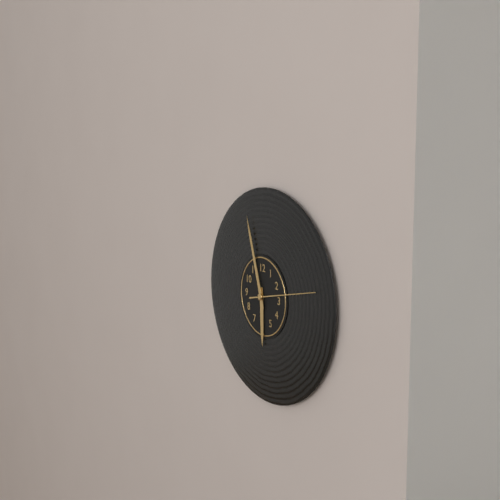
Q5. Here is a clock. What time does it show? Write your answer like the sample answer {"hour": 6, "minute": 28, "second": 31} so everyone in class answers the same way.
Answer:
{"hour": 5, "minute": 57, "second": 13}
